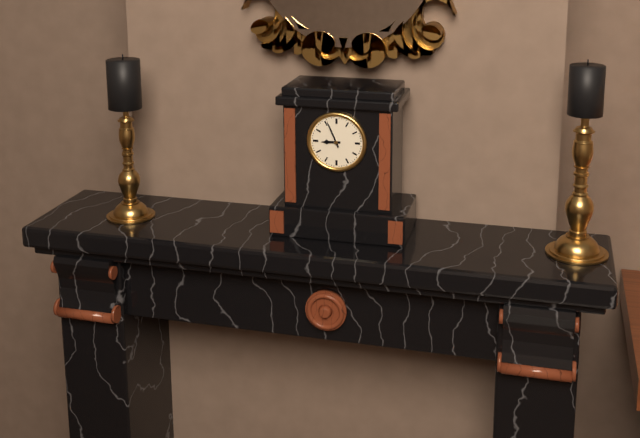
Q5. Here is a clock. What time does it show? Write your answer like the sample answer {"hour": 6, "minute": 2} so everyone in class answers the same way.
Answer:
{"hour": 8, "minute": 56}
